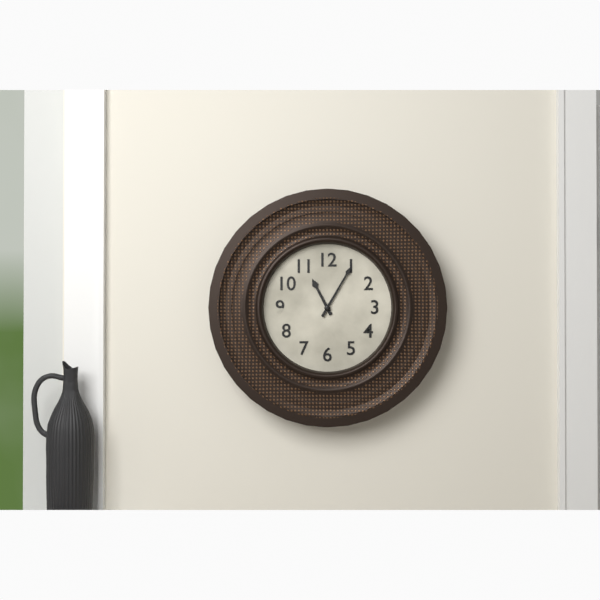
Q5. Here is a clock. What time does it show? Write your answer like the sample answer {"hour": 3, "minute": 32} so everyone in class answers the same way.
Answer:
{"hour": 11, "minute": 5}
